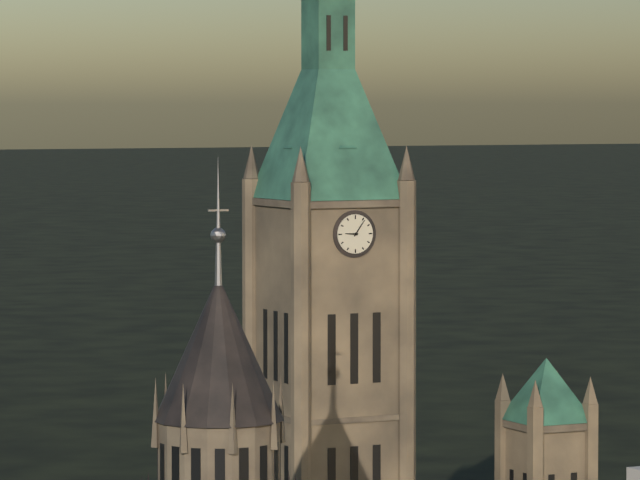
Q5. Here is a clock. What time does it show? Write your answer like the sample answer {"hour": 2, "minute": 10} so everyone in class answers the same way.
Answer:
{"hour": 9, "minute": 6}
